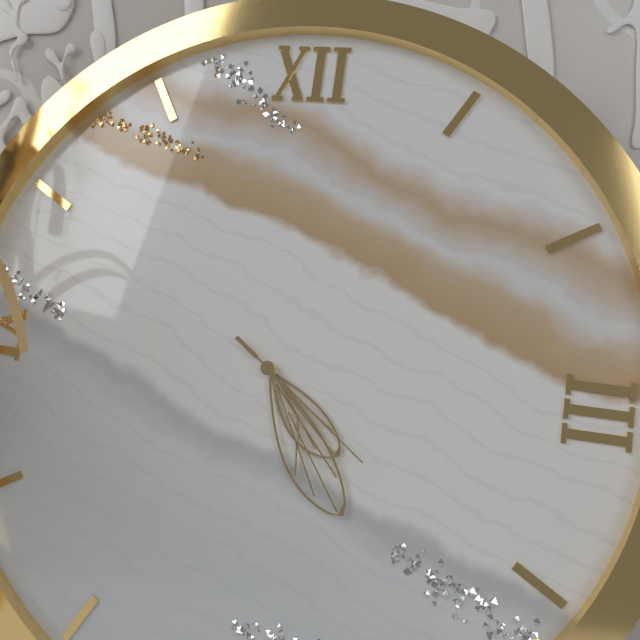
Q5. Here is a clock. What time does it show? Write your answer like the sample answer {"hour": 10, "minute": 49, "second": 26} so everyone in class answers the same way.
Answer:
{"hour": 4, "minute": 24, "second": 21}
